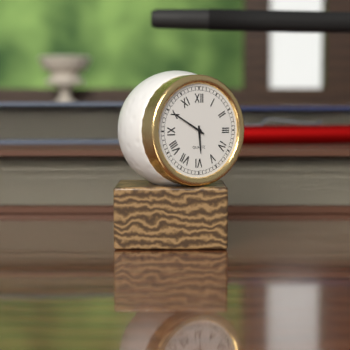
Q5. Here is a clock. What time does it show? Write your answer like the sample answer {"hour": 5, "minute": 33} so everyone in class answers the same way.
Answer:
{"hour": 5, "minute": 50}
